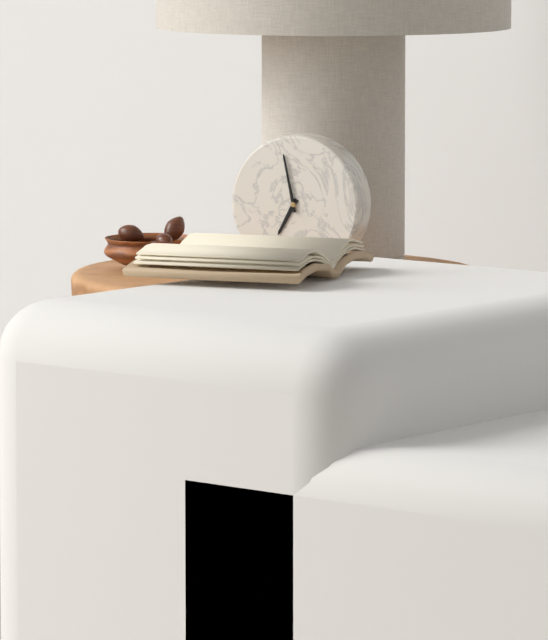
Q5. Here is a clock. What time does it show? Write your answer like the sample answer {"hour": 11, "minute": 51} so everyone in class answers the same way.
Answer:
{"hour": 6, "minute": 58}
